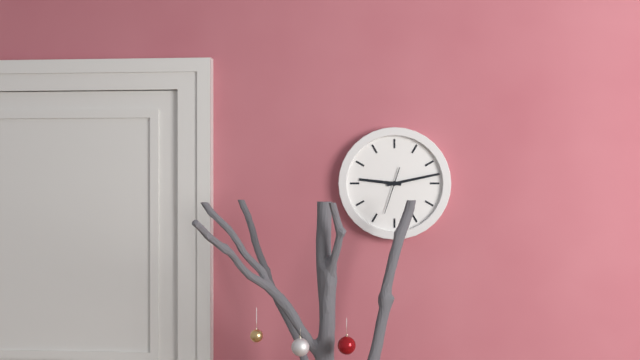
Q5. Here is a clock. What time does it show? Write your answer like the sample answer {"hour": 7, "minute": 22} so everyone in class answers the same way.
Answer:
{"hour": 9, "minute": 13}
